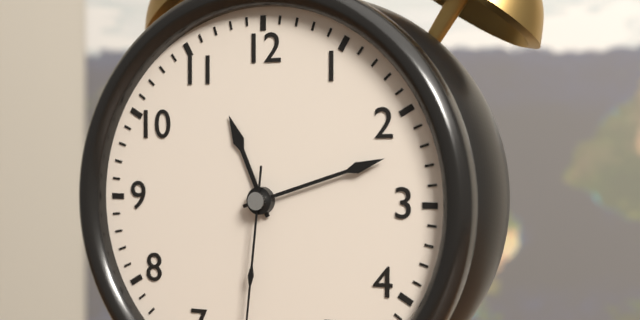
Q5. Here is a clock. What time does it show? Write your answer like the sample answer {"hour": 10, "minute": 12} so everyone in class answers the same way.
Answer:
{"hour": 11, "minute": 12}
